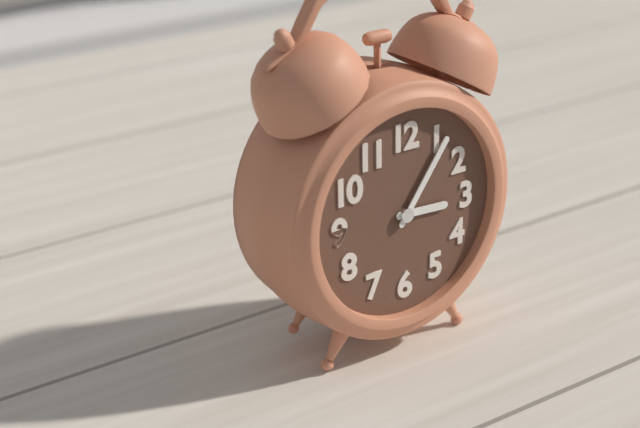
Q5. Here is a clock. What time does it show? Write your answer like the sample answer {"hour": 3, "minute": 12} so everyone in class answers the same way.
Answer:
{"hour": 3, "minute": 6}
